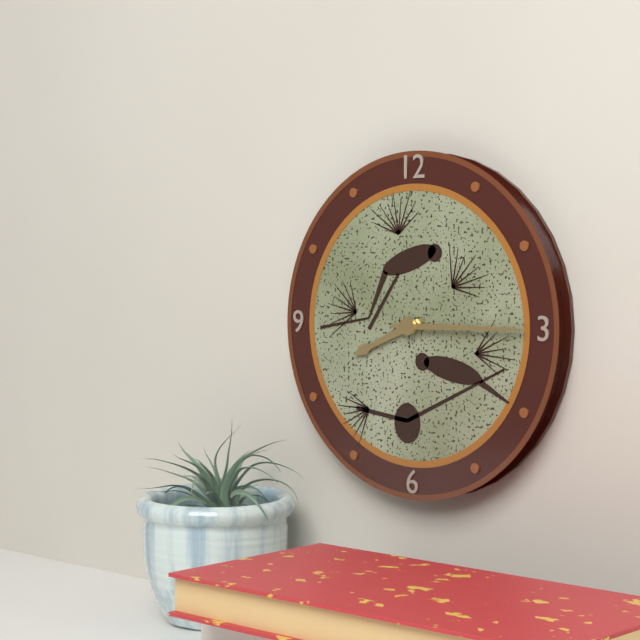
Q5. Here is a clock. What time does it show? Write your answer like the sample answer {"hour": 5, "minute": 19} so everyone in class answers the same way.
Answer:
{"hour": 8, "minute": 15}
